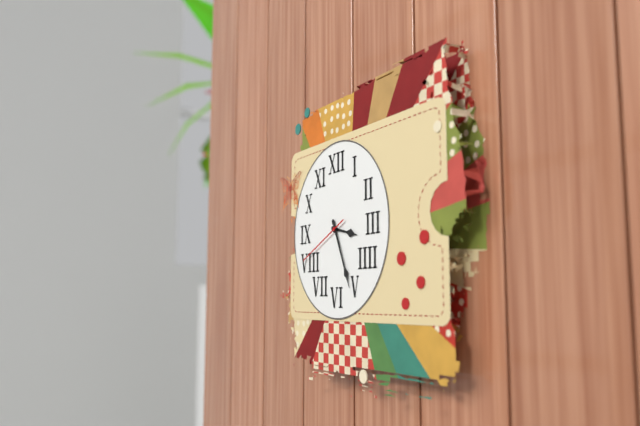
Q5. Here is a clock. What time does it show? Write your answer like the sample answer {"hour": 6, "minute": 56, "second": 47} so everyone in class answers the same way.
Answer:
{"hour": 3, "minute": 26, "second": 41}
